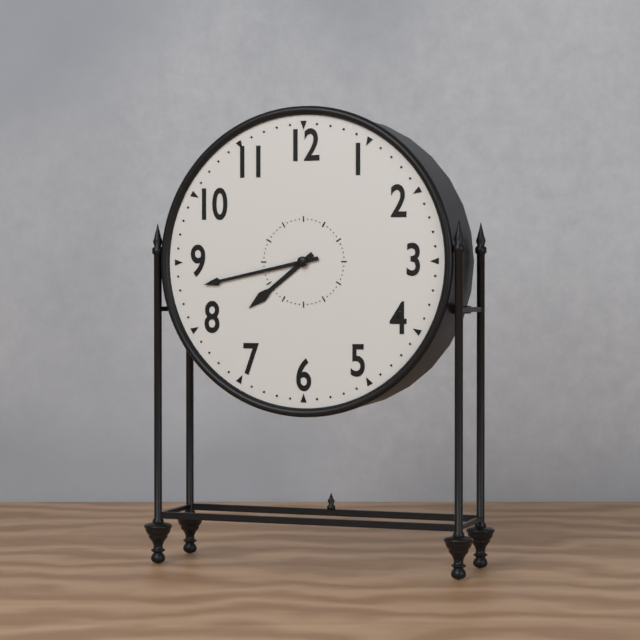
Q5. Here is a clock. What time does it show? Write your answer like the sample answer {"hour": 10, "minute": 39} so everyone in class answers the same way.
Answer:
{"hour": 7, "minute": 43}
